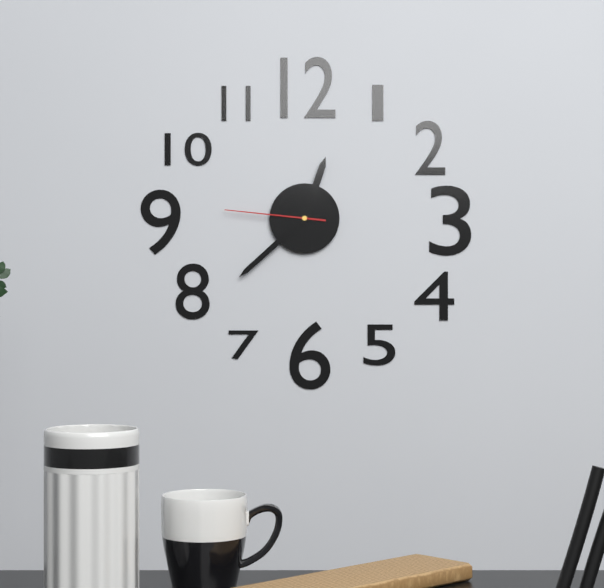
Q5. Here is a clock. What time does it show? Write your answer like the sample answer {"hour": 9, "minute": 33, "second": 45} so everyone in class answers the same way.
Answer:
{"hour": 12, "minute": 38, "second": 46}
